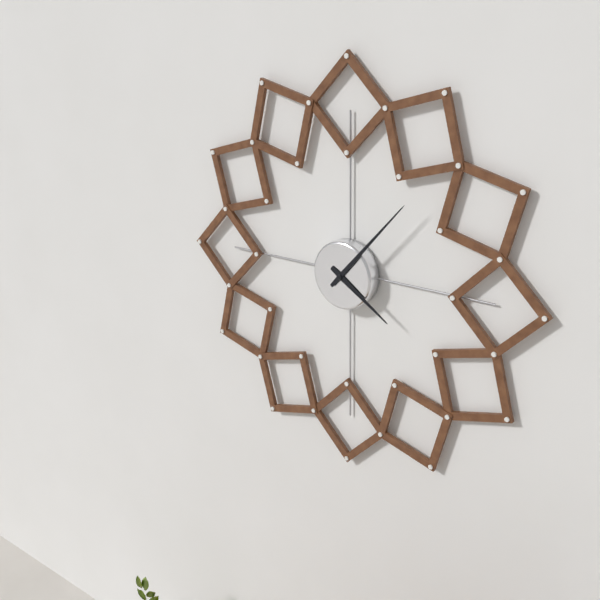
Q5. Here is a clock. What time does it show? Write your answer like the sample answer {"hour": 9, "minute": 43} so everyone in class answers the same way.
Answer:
{"hour": 4, "minute": 7}
